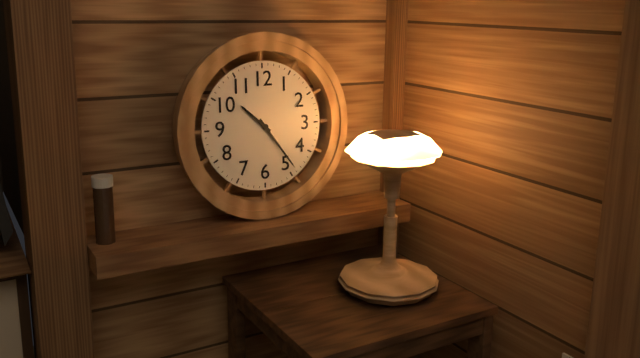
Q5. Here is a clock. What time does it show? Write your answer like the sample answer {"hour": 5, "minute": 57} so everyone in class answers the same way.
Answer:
{"hour": 10, "minute": 24}
